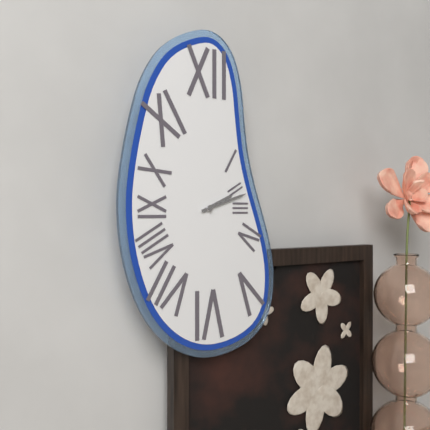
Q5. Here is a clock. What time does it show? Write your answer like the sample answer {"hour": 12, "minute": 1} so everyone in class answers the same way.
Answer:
{"hour": 2, "minute": 12}
